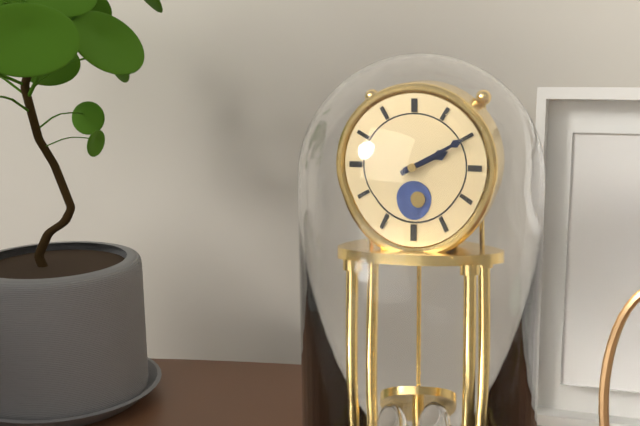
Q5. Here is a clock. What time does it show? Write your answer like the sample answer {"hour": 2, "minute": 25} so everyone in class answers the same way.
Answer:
{"hour": 2, "minute": 10}
